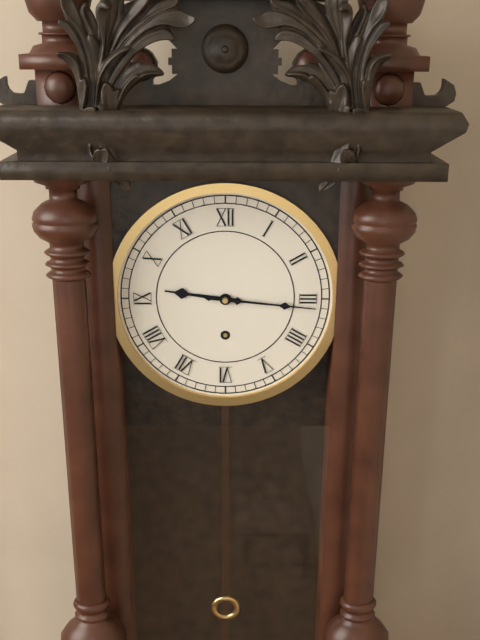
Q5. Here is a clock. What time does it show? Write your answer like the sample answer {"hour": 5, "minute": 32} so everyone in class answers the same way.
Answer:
{"hour": 9, "minute": 16}
